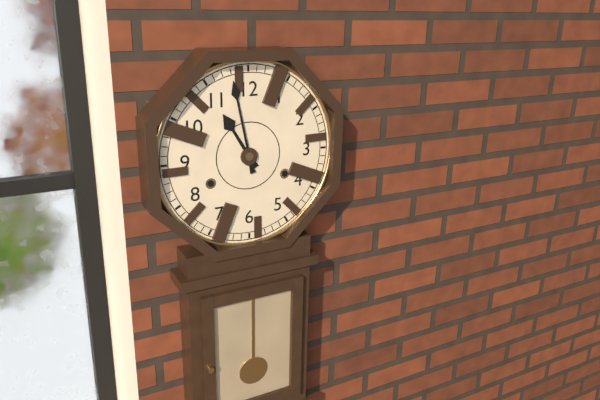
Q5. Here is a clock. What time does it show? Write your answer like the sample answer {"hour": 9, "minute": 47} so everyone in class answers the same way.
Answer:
{"hour": 10, "minute": 58}
